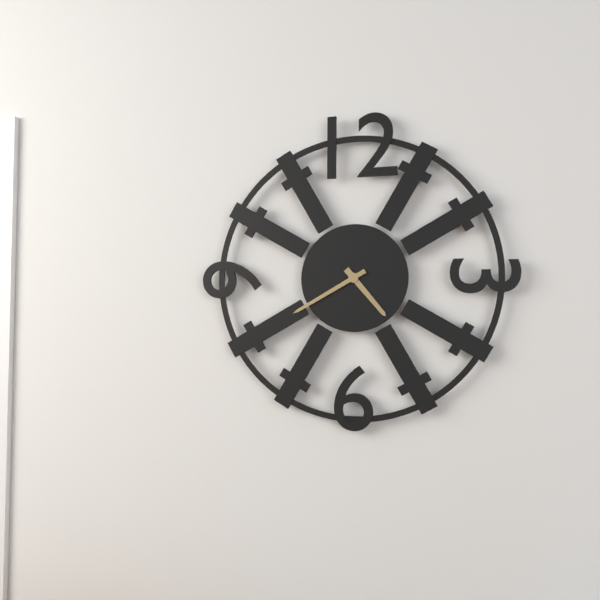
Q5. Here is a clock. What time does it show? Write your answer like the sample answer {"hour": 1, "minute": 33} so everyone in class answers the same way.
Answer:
{"hour": 4, "minute": 40}
